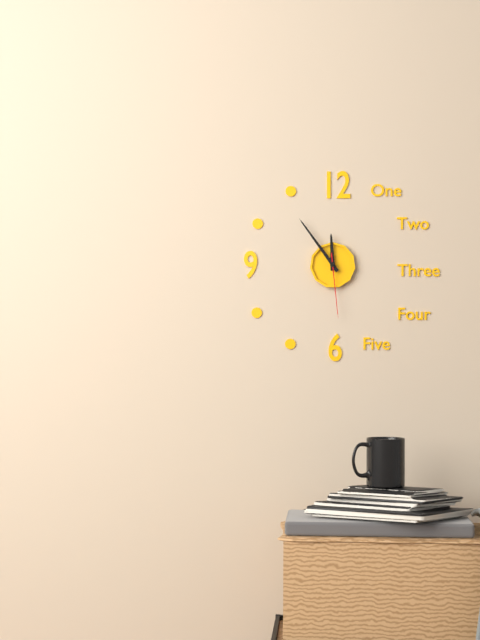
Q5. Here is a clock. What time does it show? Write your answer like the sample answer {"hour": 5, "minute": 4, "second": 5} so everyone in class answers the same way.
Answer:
{"hour": 11, "minute": 54, "second": 29}
